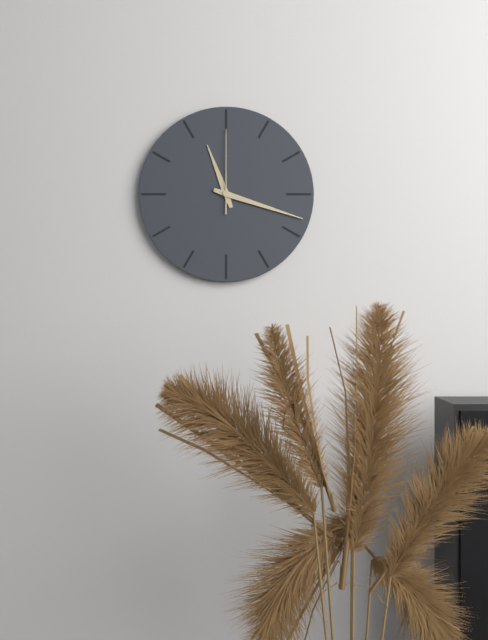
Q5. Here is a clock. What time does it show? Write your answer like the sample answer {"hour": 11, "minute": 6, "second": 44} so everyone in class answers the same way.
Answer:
{"hour": 11, "minute": 18, "second": 0}
